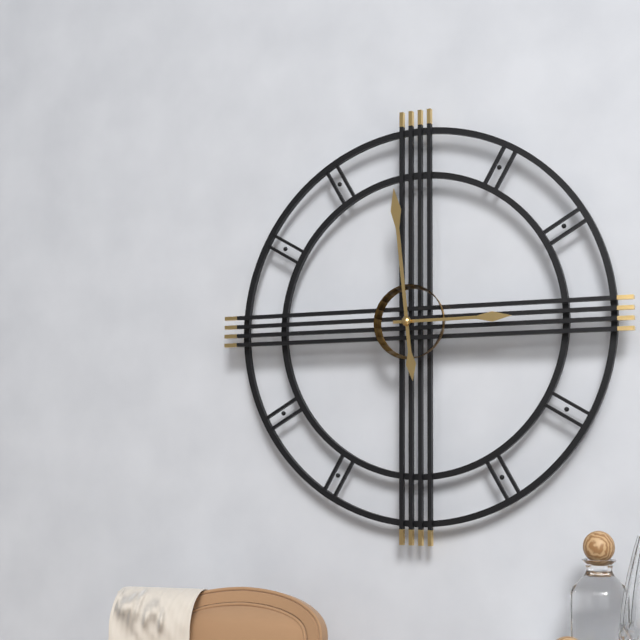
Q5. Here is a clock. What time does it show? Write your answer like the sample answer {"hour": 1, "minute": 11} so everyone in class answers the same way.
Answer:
{"hour": 2, "minute": 59}
